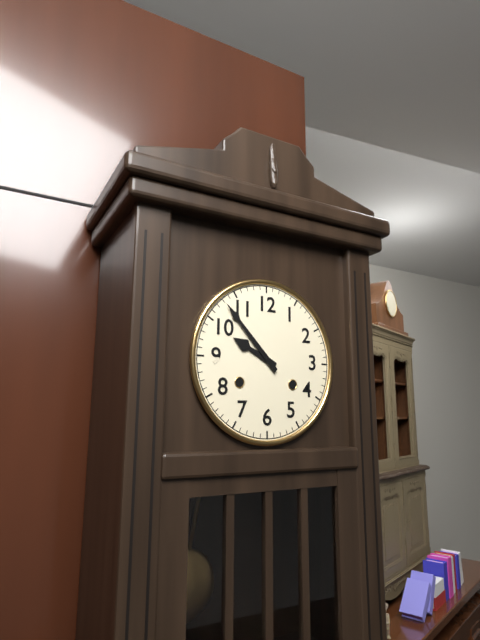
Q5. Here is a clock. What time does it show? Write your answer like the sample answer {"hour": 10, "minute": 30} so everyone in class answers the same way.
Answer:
{"hour": 9, "minute": 53}
